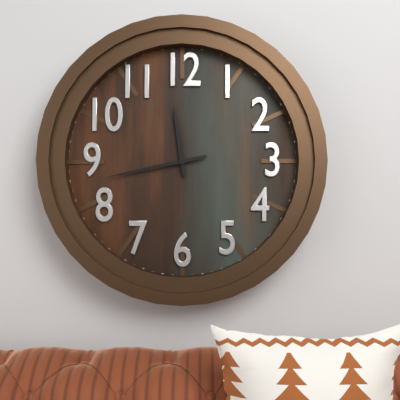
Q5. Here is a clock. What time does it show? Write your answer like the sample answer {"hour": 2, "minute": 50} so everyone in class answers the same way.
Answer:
{"hour": 11, "minute": 43}
